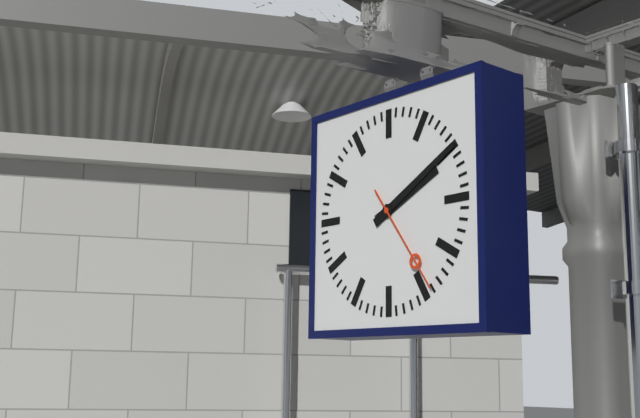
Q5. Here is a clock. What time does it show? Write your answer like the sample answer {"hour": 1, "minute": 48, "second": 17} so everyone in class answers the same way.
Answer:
{"hour": 2, "minute": 10, "second": 24}
